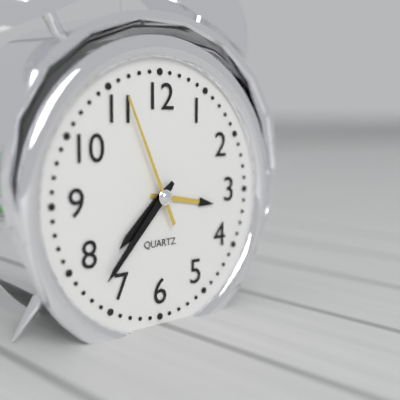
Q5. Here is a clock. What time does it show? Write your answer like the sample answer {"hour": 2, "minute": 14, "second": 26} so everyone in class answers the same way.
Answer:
{"hour": 7, "minute": 37, "second": 56}
